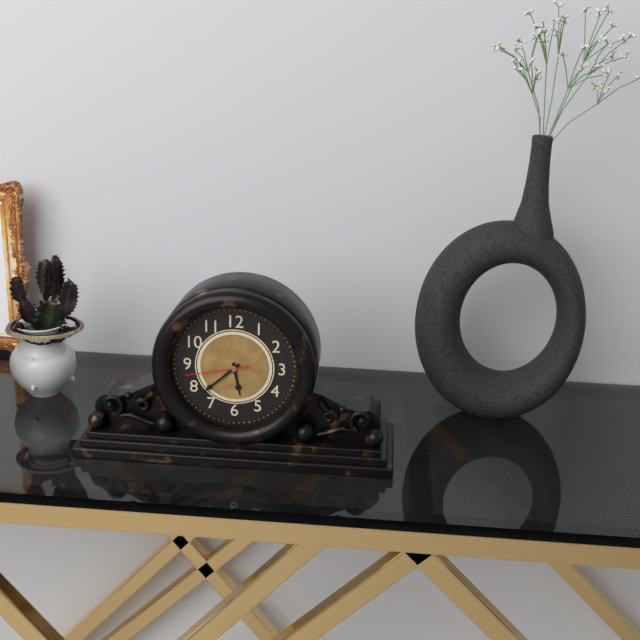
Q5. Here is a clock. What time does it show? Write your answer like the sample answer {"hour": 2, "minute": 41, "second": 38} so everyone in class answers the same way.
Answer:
{"hour": 5, "minute": 38, "second": 43}
